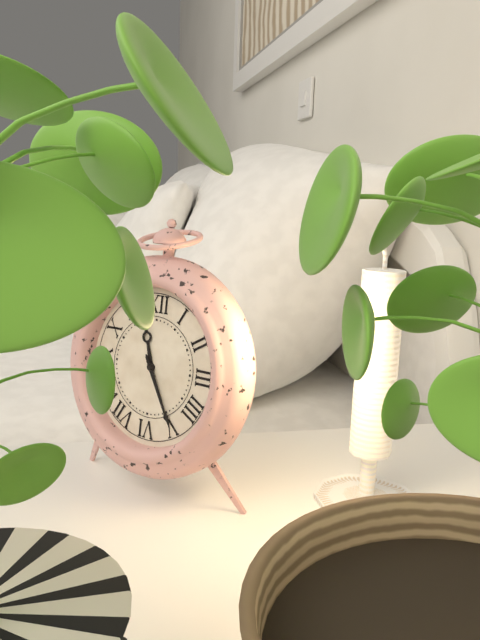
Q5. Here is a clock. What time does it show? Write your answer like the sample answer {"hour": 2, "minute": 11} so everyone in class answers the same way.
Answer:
{"hour": 11, "minute": 25}
